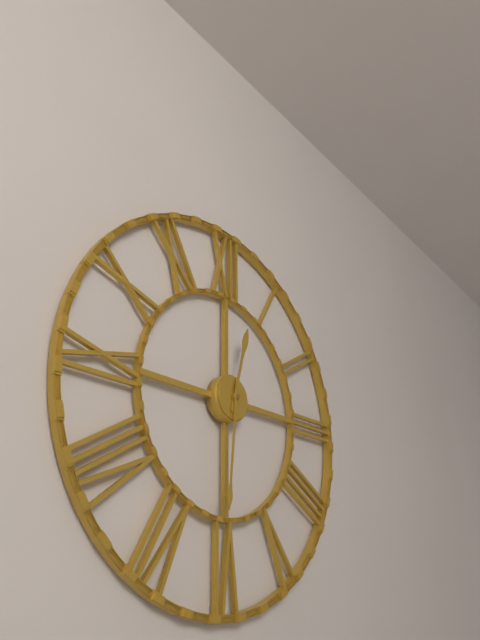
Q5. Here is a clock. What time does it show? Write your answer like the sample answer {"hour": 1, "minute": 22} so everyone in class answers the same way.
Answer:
{"hour": 12, "minute": 31}
